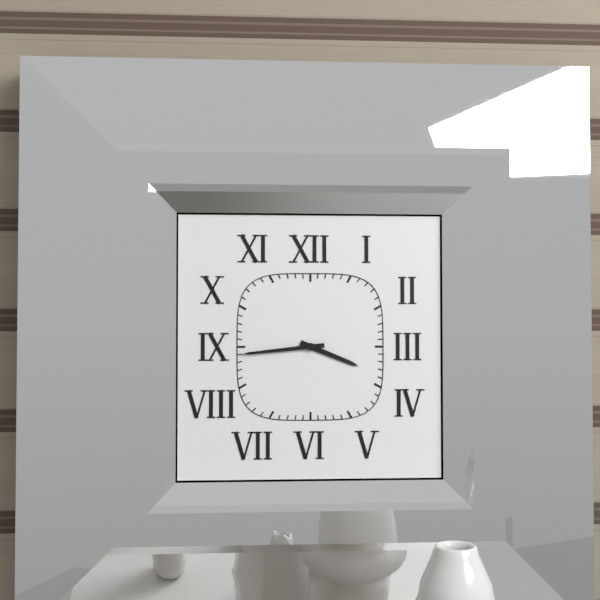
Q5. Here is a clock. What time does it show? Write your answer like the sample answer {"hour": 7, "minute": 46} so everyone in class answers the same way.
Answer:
{"hour": 3, "minute": 44}
